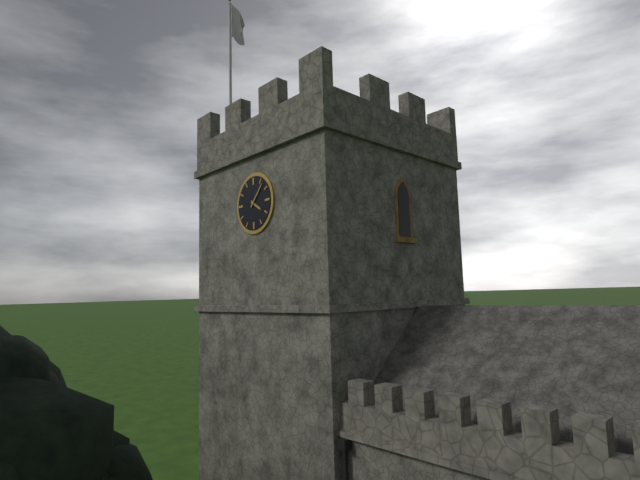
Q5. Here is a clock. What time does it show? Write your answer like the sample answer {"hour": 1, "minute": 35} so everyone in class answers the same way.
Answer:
{"hour": 4, "minute": 7}
